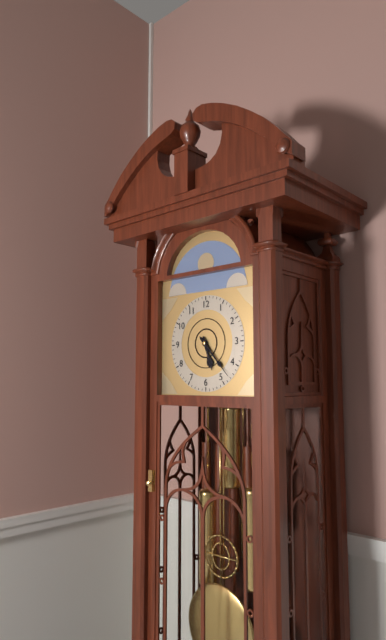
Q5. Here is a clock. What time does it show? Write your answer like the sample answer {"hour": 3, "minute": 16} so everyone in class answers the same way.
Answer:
{"hour": 5, "minute": 23}
